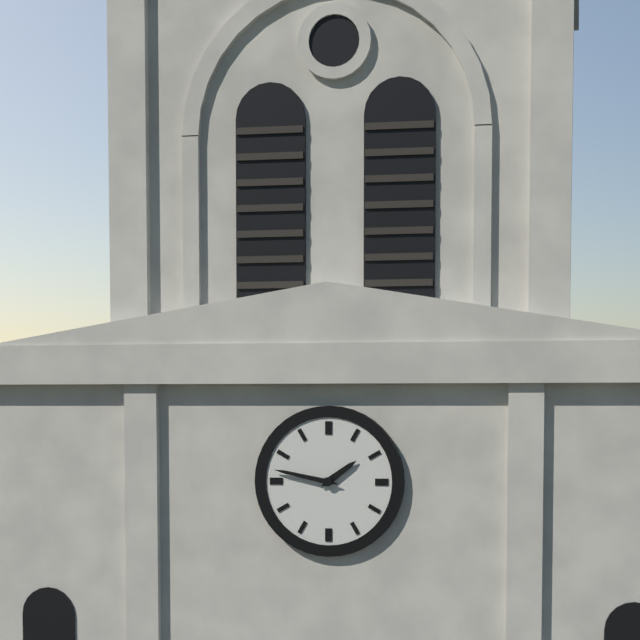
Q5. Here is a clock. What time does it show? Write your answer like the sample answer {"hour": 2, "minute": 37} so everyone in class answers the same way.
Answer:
{"hour": 1, "minute": 47}
